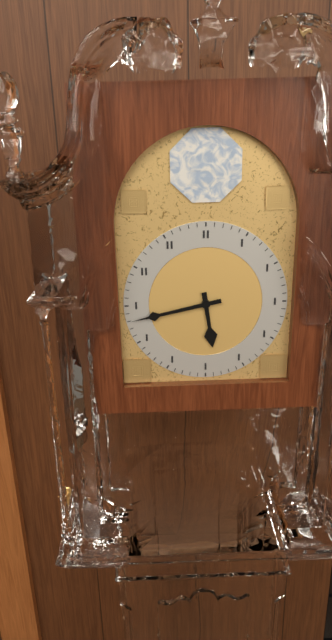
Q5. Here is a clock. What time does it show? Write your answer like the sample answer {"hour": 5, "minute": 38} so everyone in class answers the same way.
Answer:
{"hour": 5, "minute": 43}
